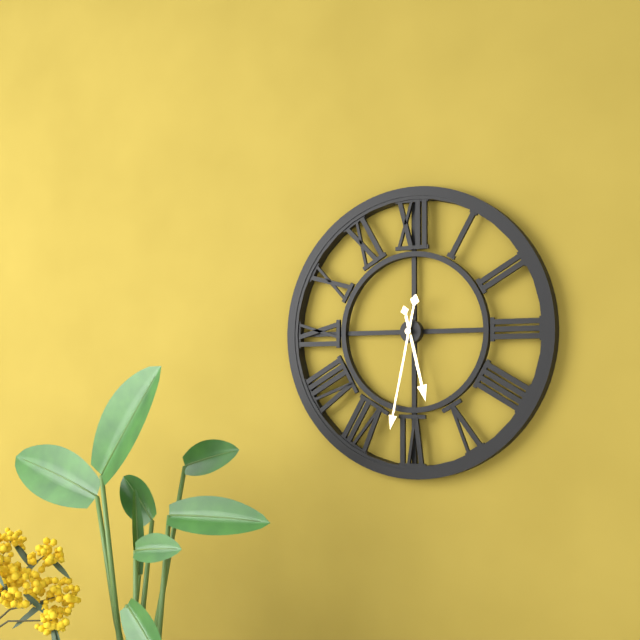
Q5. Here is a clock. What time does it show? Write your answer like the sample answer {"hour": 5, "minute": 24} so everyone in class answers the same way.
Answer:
{"hour": 5, "minute": 32}
